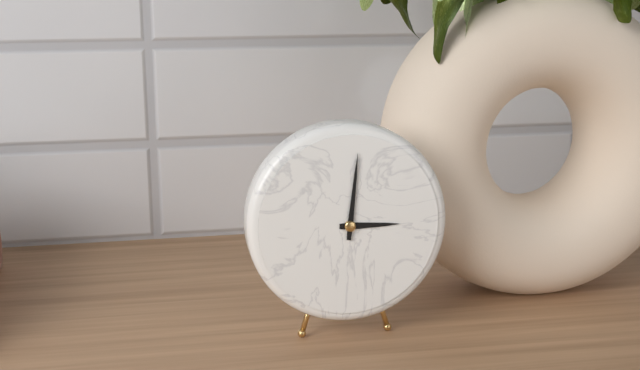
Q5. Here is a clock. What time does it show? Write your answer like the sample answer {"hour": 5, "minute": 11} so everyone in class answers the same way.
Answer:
{"hour": 3, "minute": 1}
